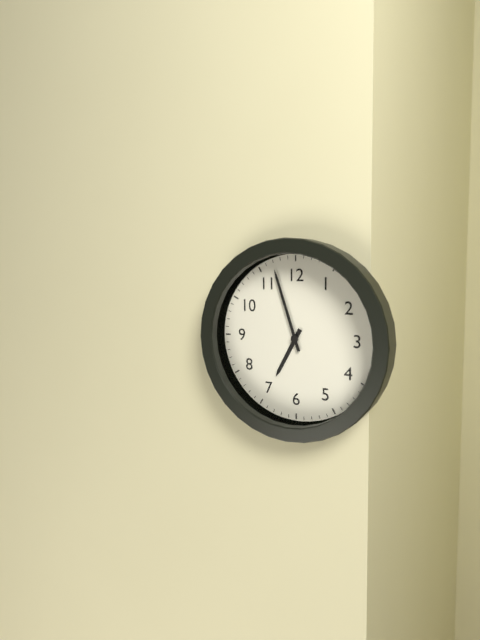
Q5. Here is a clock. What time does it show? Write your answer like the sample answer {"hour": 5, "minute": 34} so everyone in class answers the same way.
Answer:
{"hour": 6, "minute": 57}
